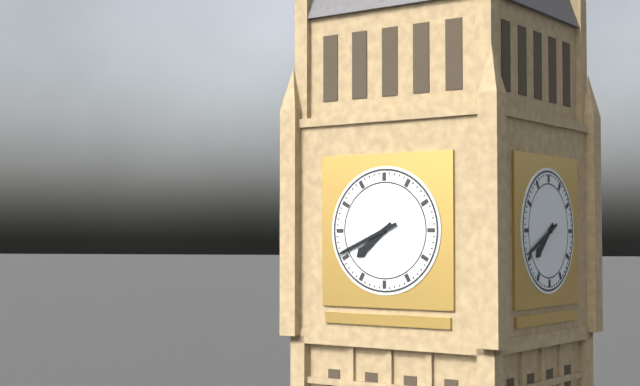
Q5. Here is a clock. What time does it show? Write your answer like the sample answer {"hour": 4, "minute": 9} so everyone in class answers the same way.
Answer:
{"hour": 7, "minute": 41}
